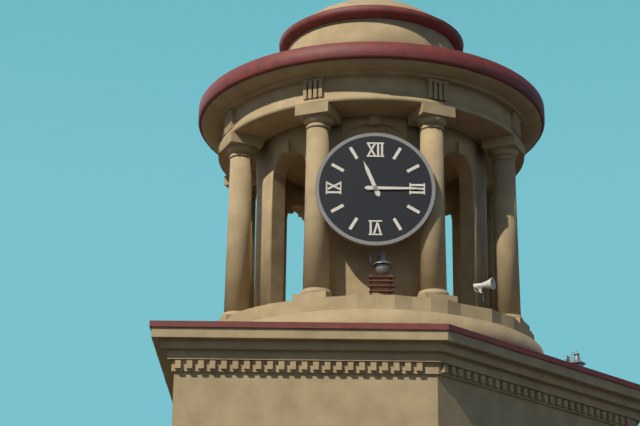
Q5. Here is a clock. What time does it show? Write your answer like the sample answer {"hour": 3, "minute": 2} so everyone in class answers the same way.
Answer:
{"hour": 11, "minute": 15}
